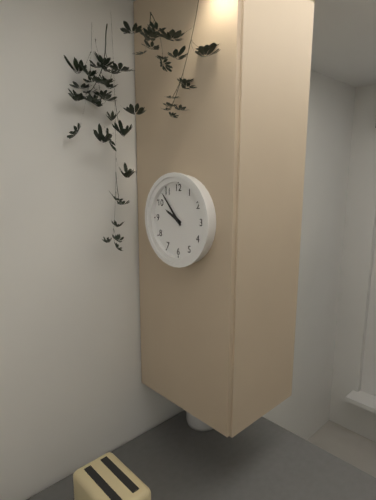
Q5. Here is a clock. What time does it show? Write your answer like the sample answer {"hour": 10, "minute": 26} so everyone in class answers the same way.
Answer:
{"hour": 9, "minute": 53}
